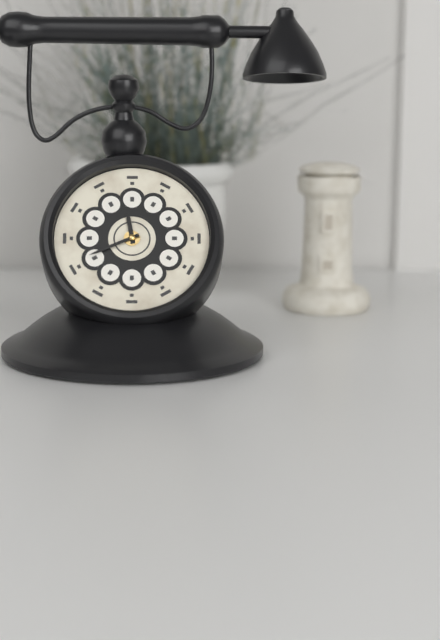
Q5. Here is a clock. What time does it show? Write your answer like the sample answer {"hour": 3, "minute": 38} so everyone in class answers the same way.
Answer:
{"hour": 11, "minute": 41}
